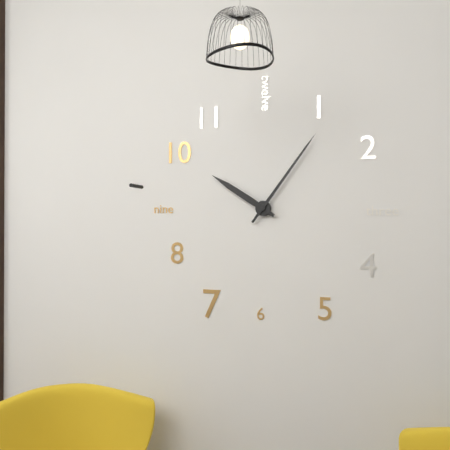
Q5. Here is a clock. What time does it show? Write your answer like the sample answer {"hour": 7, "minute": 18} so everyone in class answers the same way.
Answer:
{"hour": 10, "minute": 6}
